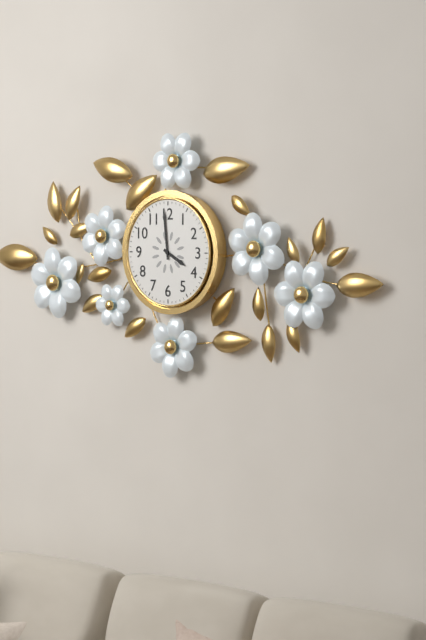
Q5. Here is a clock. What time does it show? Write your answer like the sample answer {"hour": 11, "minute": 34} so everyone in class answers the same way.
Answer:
{"hour": 3, "minute": 59}
